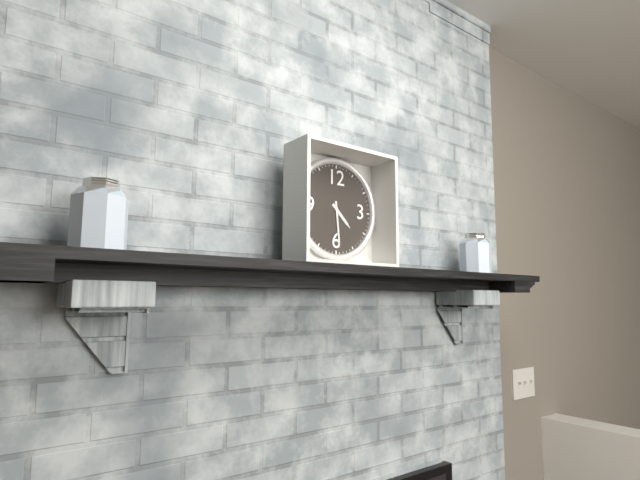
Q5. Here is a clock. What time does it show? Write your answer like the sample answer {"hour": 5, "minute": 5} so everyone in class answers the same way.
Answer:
{"hour": 4, "minute": 29}
